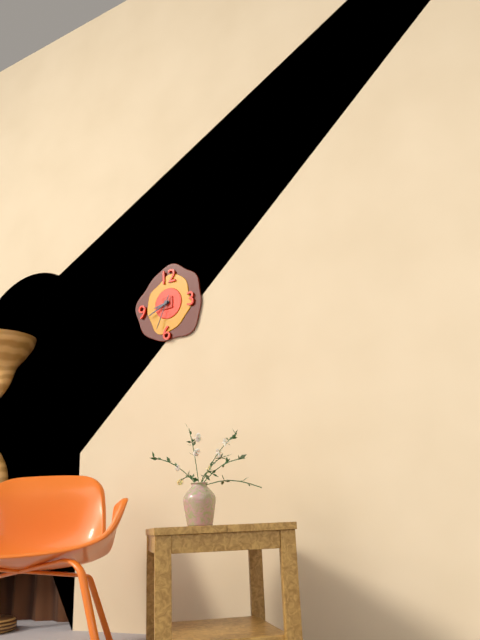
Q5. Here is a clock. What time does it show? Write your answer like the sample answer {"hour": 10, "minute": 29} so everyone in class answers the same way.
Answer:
{"hour": 8, "minute": 41}
